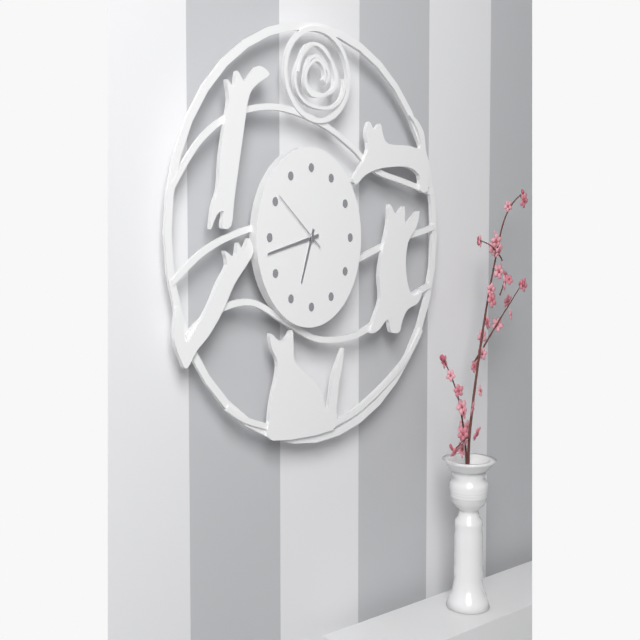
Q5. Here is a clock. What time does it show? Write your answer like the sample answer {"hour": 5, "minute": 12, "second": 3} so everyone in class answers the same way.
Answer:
{"hour": 6, "minute": 43, "second": 51}
